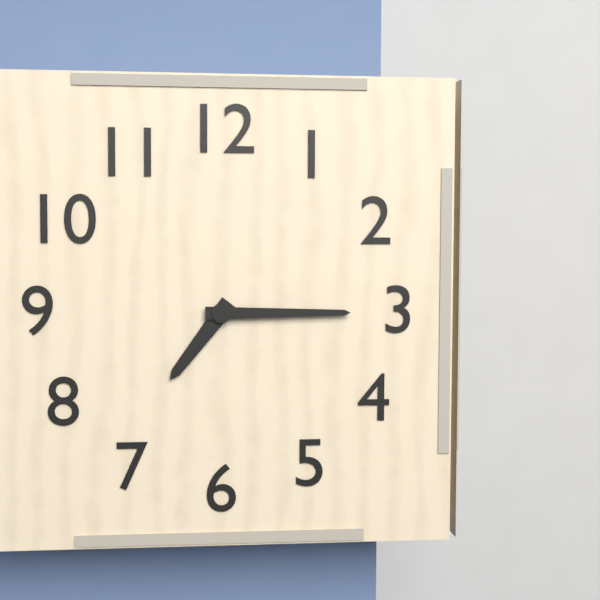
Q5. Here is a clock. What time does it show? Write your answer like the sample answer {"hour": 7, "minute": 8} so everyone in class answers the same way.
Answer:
{"hour": 7, "minute": 15}
